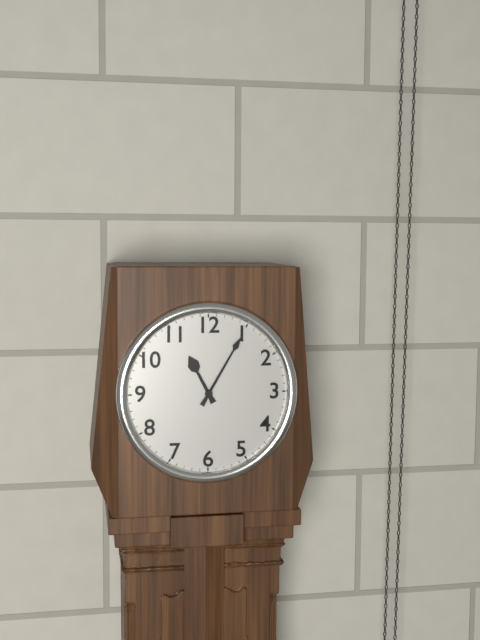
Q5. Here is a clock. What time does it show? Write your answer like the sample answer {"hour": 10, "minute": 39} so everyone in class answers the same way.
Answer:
{"hour": 11, "minute": 5}
